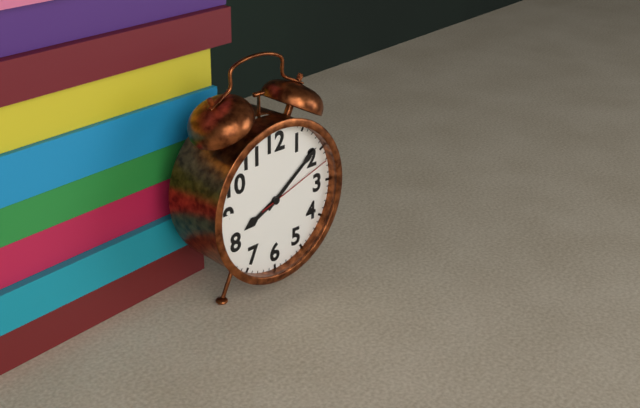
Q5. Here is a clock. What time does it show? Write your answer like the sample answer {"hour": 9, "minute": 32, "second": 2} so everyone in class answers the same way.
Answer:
{"hour": 8, "minute": 9, "second": 12}
